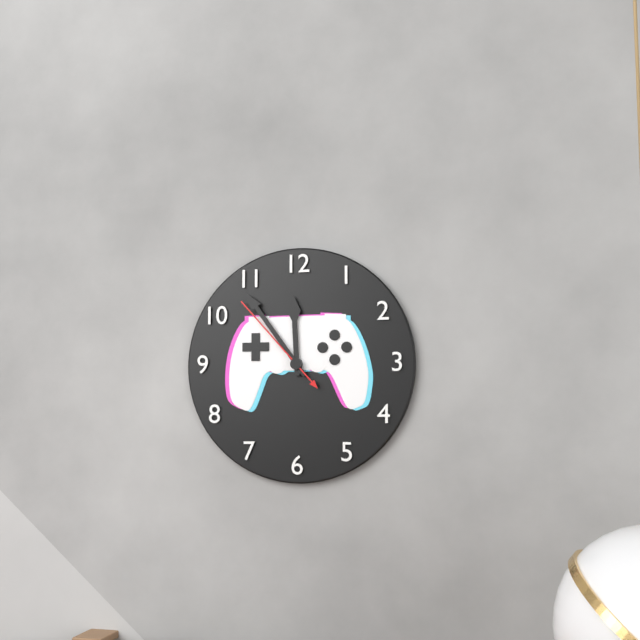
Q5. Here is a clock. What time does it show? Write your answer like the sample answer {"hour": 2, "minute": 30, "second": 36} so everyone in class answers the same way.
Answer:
{"hour": 11, "minute": 54, "second": 53}
